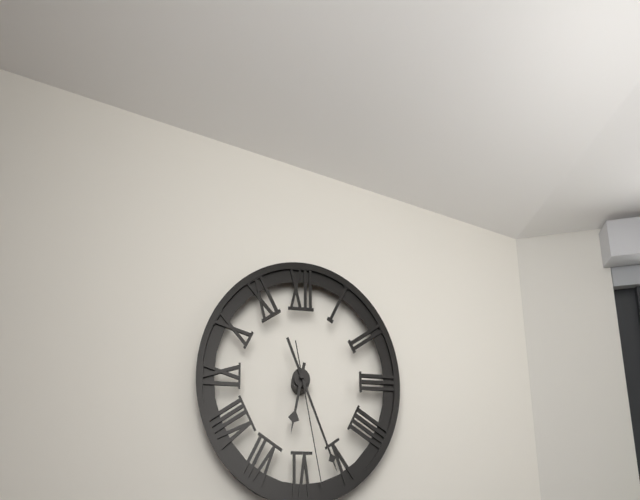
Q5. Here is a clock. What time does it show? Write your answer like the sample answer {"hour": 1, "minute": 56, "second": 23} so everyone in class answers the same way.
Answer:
{"hour": 6, "minute": 26, "second": 28}
